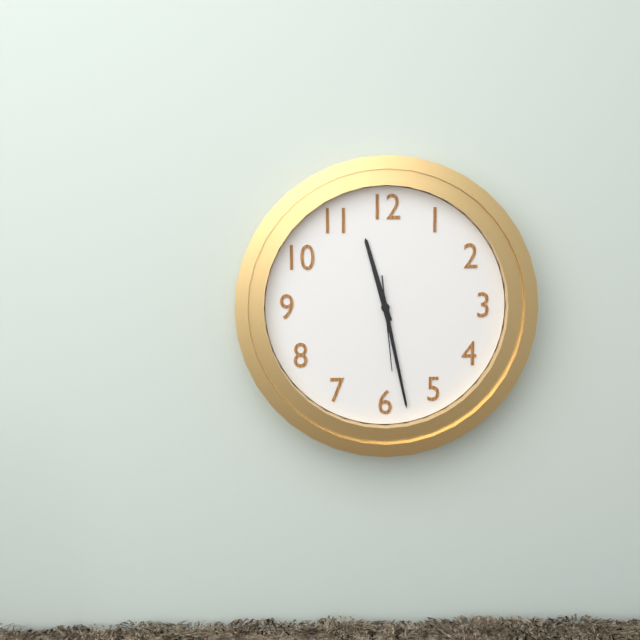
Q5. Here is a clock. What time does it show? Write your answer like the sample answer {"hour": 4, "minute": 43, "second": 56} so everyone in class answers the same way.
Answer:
{"hour": 11, "minute": 28, "second": 29}
